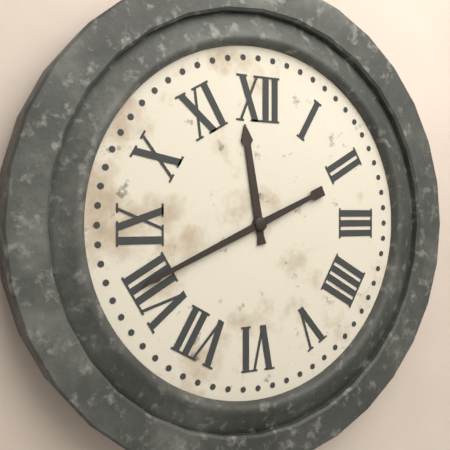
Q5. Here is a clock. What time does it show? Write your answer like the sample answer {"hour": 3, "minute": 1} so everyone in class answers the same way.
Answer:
{"hour": 11, "minute": 41}
